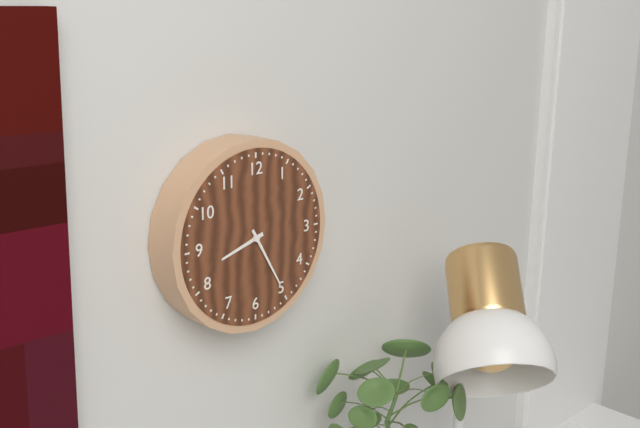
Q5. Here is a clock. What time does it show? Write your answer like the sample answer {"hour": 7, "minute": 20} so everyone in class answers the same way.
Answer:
{"hour": 8, "minute": 25}
